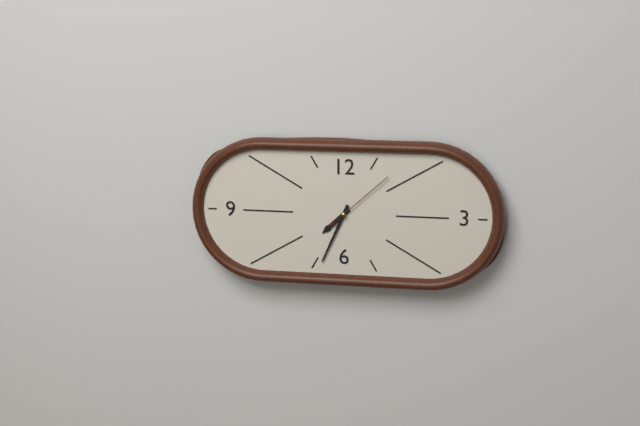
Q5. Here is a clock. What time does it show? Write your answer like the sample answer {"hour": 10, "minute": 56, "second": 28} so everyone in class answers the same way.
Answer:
{"hour": 7, "minute": 34, "second": 8}
